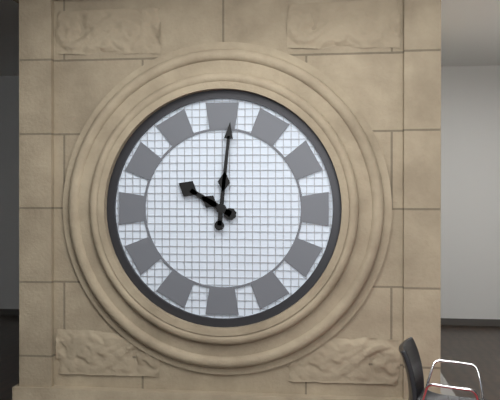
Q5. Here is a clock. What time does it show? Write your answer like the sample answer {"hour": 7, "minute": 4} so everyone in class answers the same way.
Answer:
{"hour": 10, "minute": 1}
